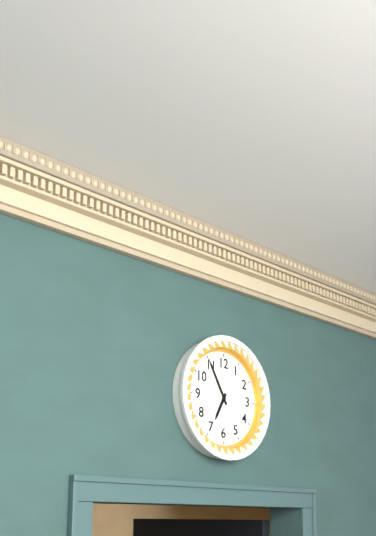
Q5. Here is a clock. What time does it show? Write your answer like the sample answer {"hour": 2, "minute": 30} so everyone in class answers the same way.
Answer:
{"hour": 6, "minute": 55}
